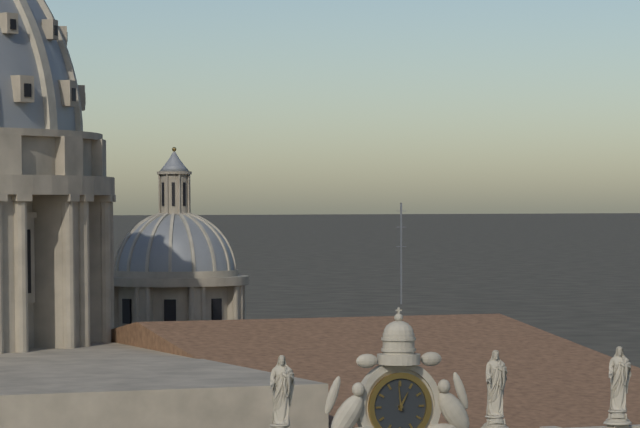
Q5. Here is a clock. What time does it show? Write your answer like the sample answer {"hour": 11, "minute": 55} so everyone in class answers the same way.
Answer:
{"hour": 12, "minute": 59}
